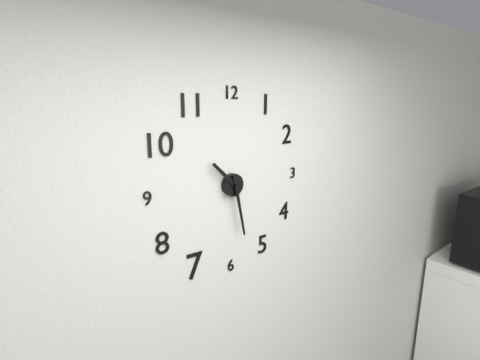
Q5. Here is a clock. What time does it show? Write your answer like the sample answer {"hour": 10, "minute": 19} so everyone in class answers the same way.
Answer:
{"hour": 10, "minute": 28}
